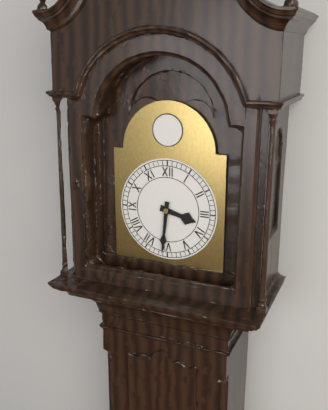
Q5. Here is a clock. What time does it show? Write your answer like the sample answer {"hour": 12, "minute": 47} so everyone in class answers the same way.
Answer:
{"hour": 3, "minute": 31}
